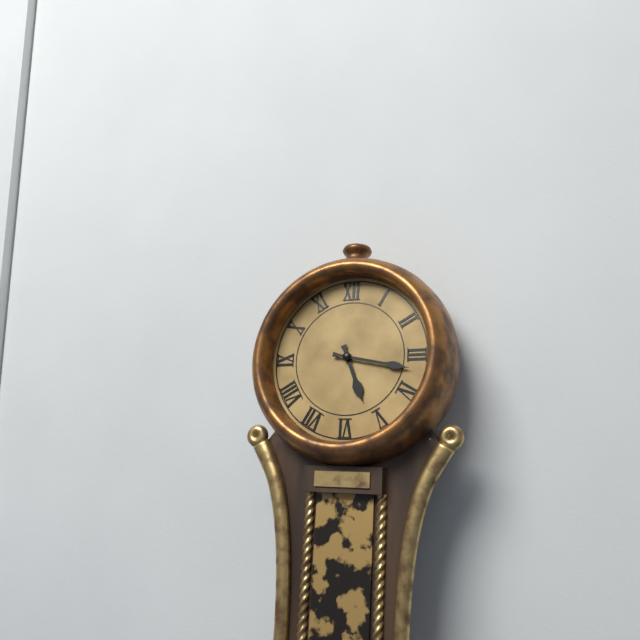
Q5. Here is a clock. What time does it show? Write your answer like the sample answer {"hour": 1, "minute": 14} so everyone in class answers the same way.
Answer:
{"hour": 5, "minute": 17}
